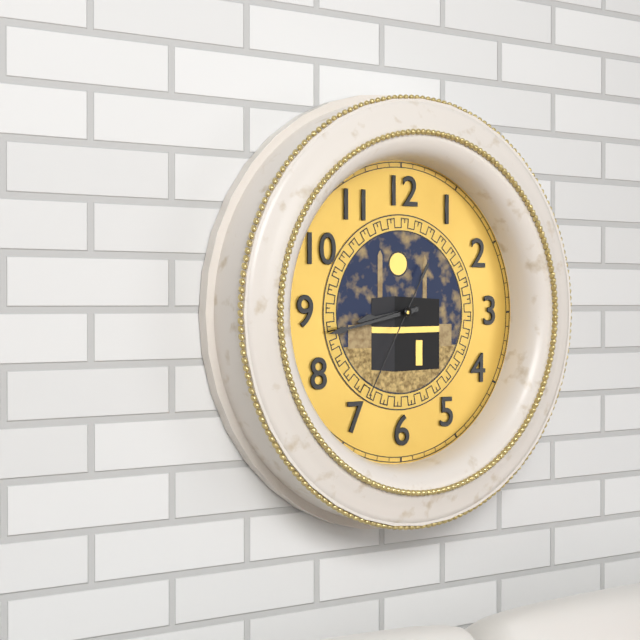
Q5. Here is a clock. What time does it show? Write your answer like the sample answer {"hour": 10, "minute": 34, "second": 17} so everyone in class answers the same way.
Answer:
{"hour": 8, "minute": 43, "second": 35}
